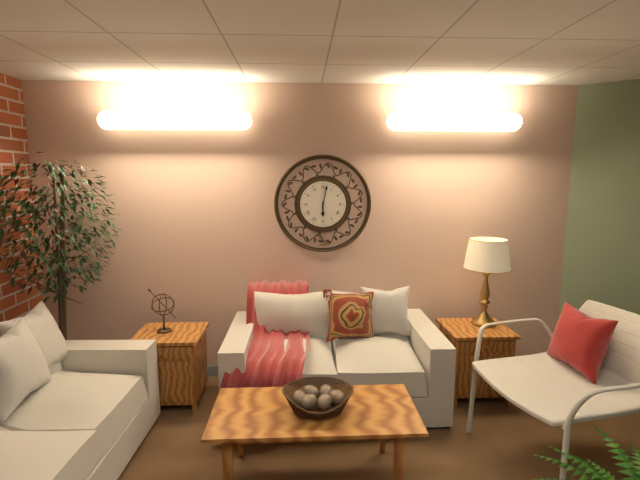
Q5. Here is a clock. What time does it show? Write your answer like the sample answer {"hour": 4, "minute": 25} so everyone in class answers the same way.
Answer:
{"hour": 6, "minute": 2}
